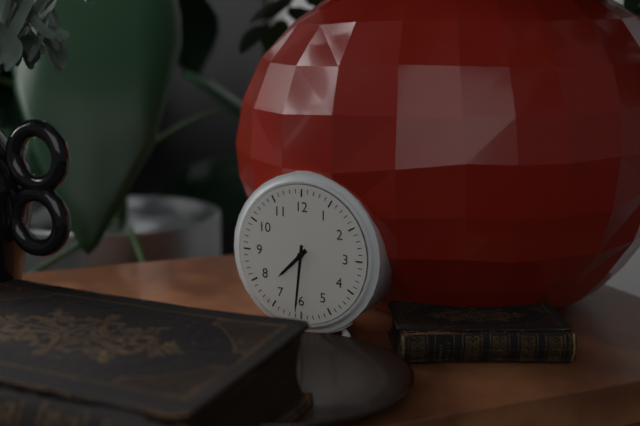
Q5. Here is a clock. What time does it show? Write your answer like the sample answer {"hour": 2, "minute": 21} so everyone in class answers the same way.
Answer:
{"hour": 7, "minute": 31}
